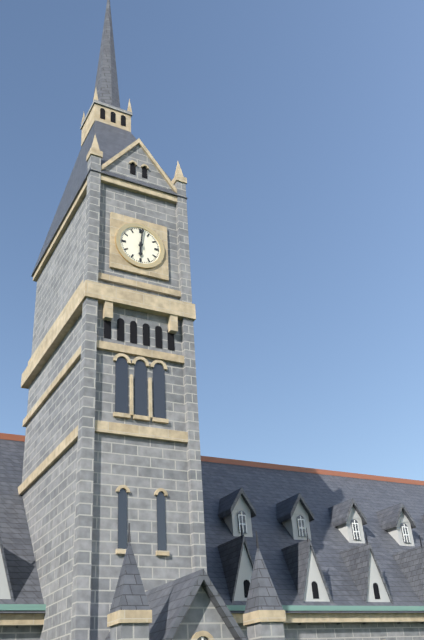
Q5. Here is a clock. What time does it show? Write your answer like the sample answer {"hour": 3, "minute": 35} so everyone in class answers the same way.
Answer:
{"hour": 6, "minute": 1}
